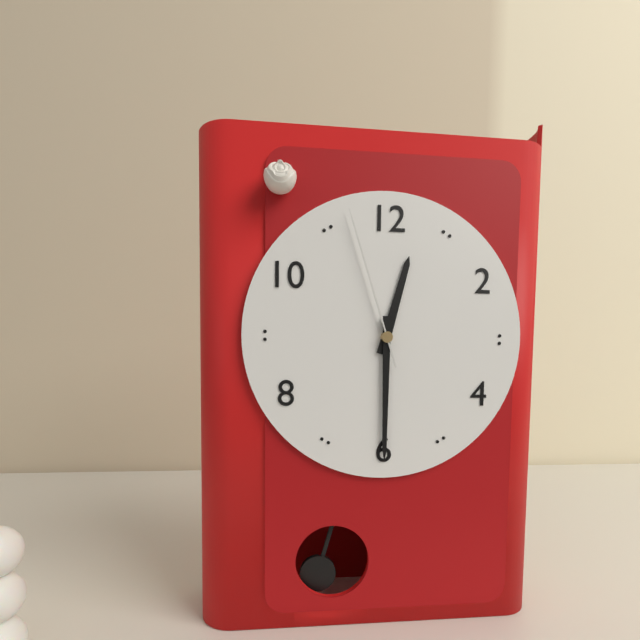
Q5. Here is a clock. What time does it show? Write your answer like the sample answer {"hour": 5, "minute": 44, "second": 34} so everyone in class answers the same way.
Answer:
{"hour": 12, "minute": 30, "second": 57}
